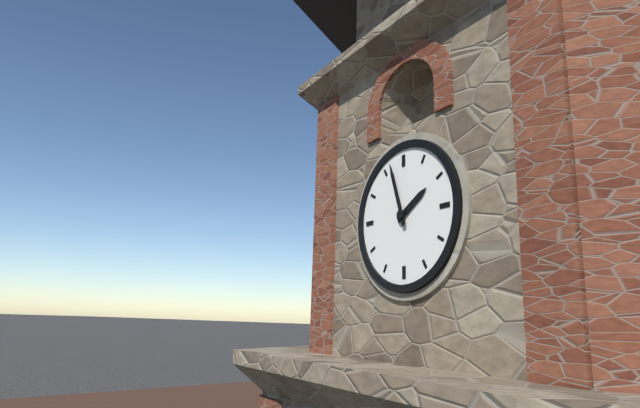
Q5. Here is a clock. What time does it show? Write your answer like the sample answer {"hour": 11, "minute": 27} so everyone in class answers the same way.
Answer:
{"hour": 1, "minute": 57}
